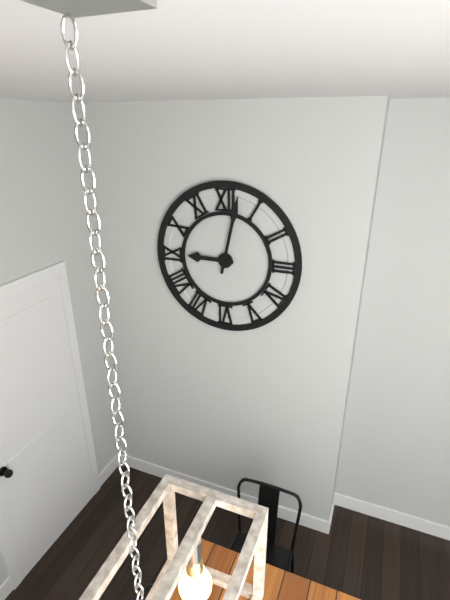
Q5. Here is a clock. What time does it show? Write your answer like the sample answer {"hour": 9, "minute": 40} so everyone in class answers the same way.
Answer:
{"hour": 9, "minute": 2}
